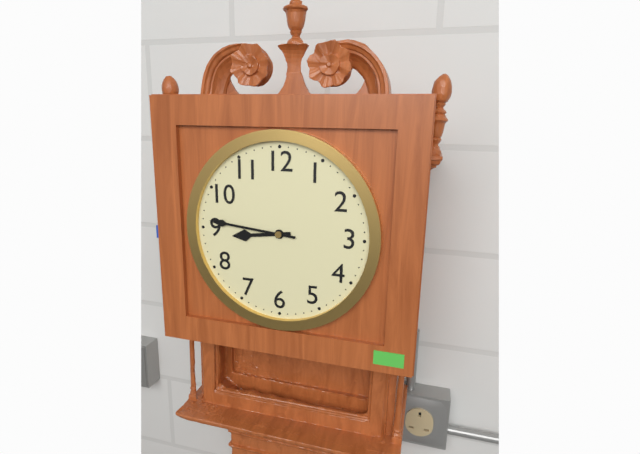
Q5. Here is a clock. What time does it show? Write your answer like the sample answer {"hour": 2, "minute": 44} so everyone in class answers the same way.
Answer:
{"hour": 8, "minute": 46}
